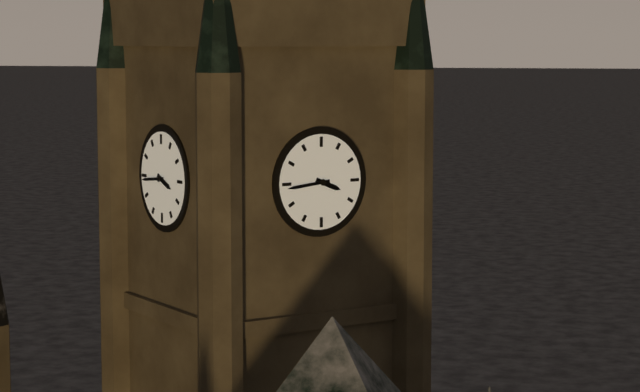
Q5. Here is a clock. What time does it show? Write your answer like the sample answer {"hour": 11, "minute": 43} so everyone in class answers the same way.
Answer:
{"hour": 3, "minute": 44}
